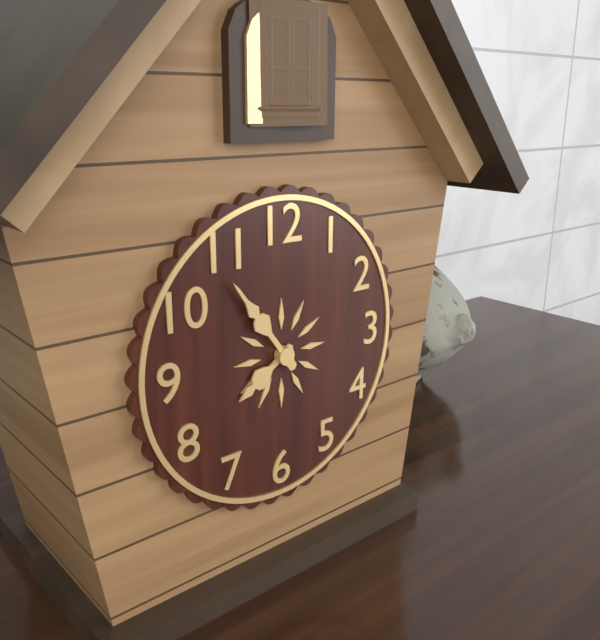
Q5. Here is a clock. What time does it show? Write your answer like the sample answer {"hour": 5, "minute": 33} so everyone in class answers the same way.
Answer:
{"hour": 7, "minute": 54}
